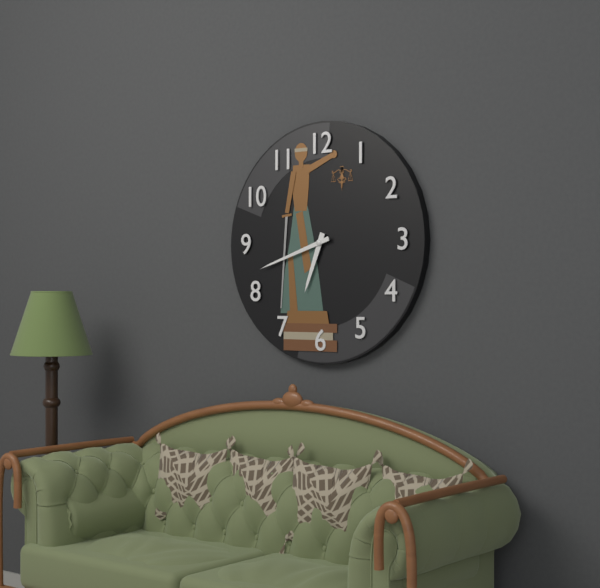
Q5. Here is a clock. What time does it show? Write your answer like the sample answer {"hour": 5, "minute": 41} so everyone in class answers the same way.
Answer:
{"hour": 6, "minute": 42}
